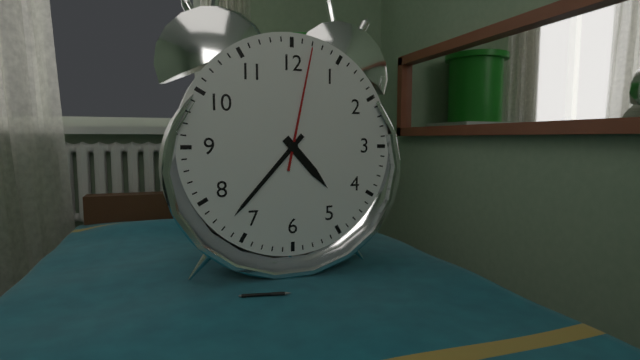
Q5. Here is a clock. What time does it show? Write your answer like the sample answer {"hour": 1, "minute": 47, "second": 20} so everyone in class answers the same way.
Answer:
{"hour": 4, "minute": 37, "second": 2}
